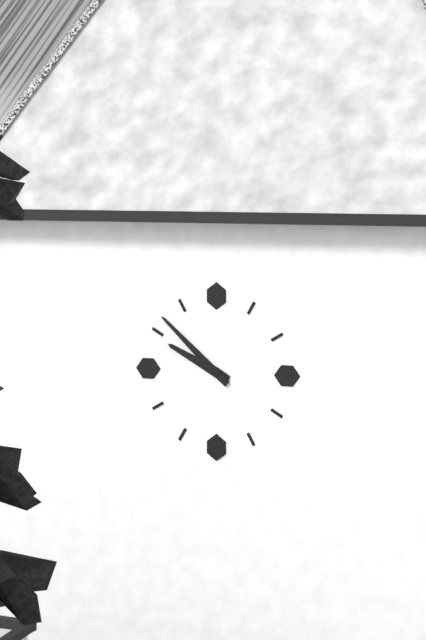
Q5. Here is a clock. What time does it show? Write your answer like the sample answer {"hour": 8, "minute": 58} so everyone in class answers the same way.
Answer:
{"hour": 9, "minute": 52}
